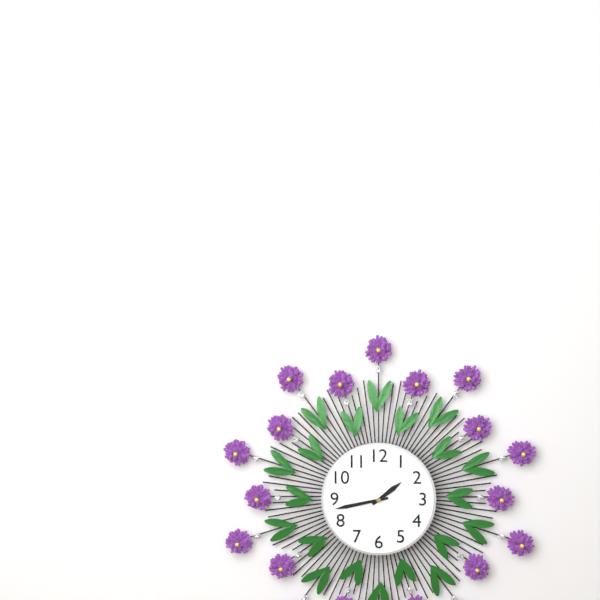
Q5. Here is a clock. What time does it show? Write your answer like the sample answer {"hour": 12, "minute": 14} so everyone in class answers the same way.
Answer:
{"hour": 1, "minute": 43}
